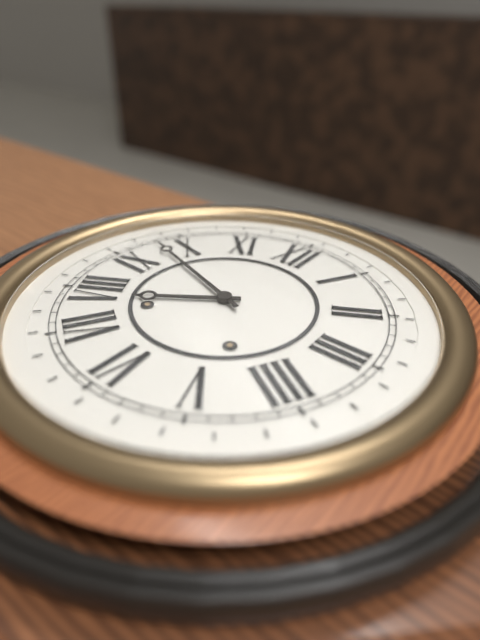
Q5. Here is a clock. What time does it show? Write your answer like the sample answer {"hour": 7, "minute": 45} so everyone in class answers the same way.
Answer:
{"hour": 7, "minute": 48}
